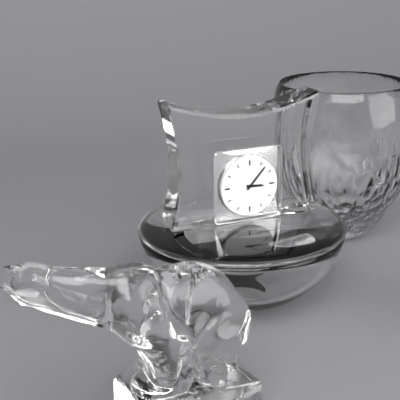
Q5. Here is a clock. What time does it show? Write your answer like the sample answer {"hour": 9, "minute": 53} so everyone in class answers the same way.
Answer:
{"hour": 3, "minute": 7}
